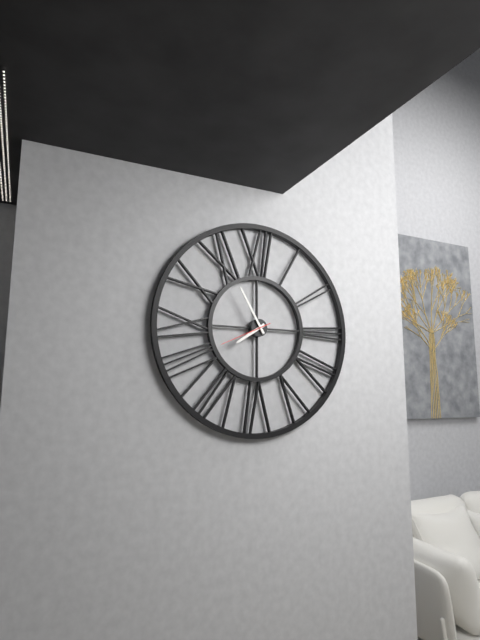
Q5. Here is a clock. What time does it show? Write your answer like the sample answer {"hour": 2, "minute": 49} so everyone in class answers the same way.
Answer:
{"hour": 7, "minute": 55}
